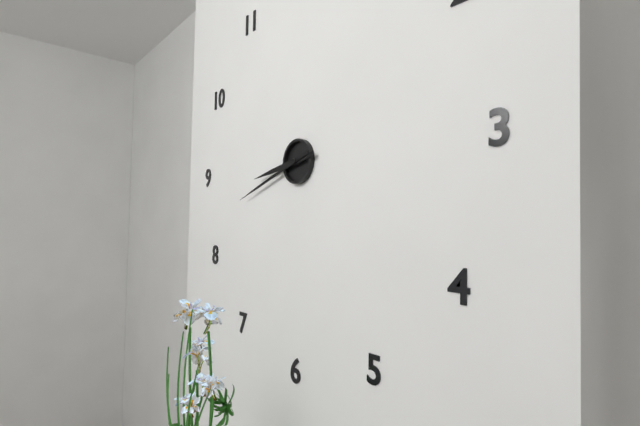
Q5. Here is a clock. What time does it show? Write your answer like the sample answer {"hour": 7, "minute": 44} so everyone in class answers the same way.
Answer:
{"hour": 8, "minute": 42}
